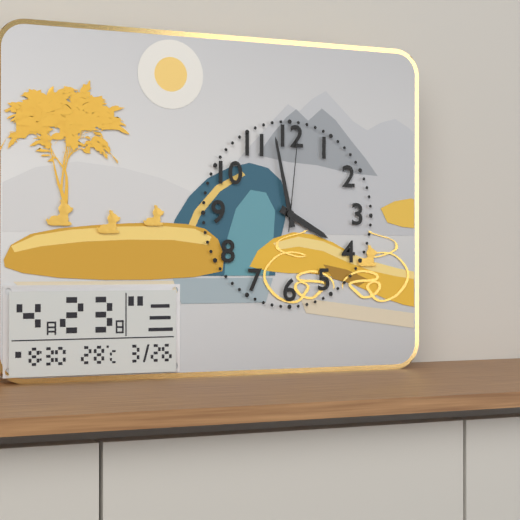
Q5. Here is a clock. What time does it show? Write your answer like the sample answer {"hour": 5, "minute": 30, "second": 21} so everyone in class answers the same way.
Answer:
{"hour": 3, "minute": 58, "second": 1}
